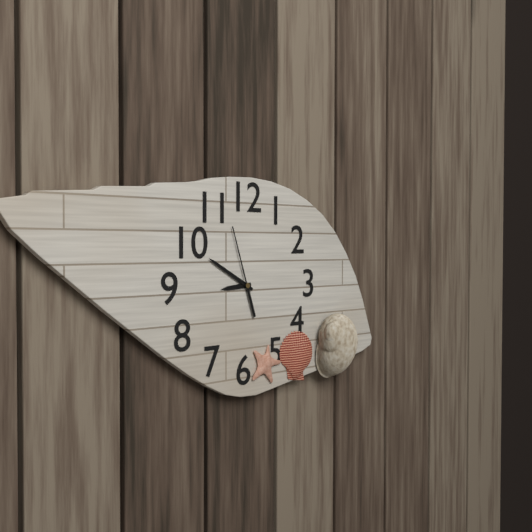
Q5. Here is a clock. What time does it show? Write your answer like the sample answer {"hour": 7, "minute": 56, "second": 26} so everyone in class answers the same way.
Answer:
{"hour": 8, "minute": 50, "second": 57}
